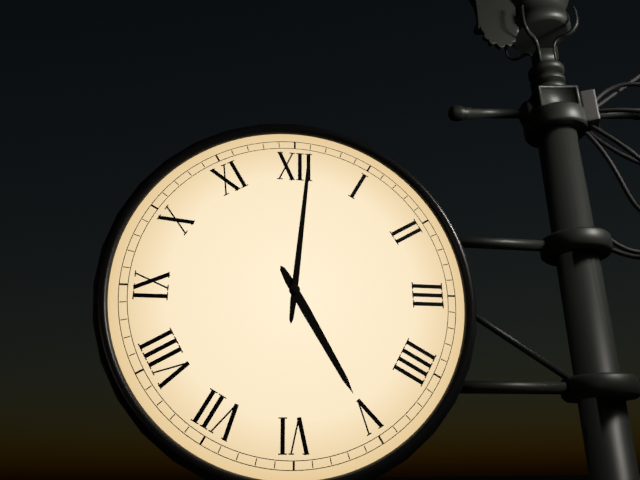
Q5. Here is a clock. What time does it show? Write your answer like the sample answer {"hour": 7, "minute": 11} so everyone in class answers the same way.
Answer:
{"hour": 5, "minute": 1}
